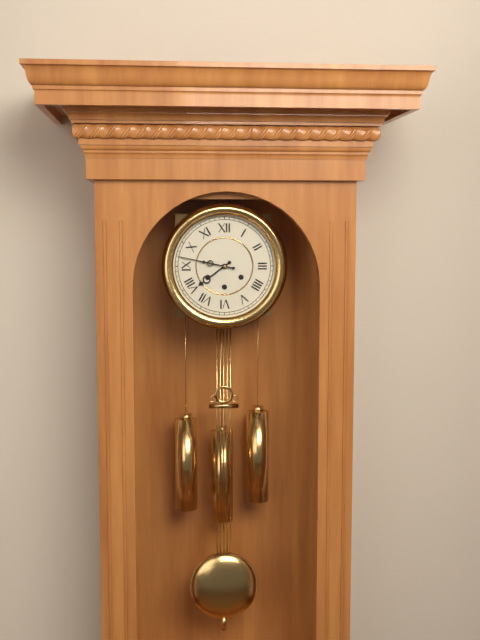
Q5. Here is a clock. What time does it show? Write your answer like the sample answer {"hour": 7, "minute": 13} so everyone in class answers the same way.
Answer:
{"hour": 7, "minute": 47}
